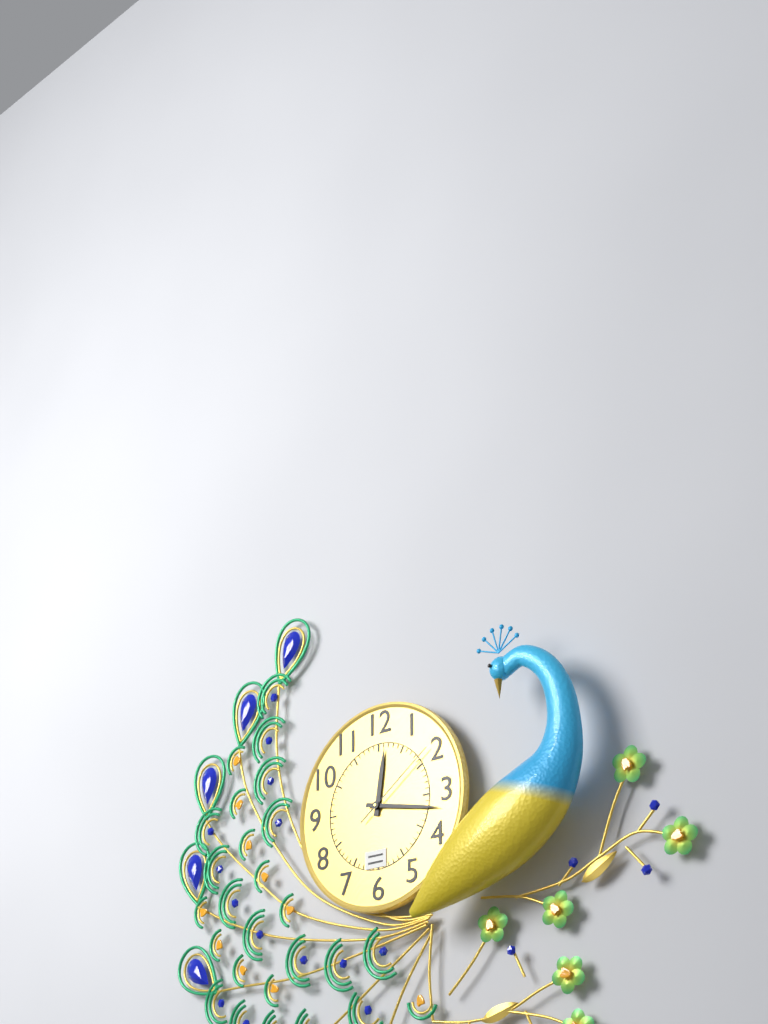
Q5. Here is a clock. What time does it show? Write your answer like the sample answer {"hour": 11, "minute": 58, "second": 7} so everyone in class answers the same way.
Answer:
{"hour": 12, "minute": 17, "second": 9}
